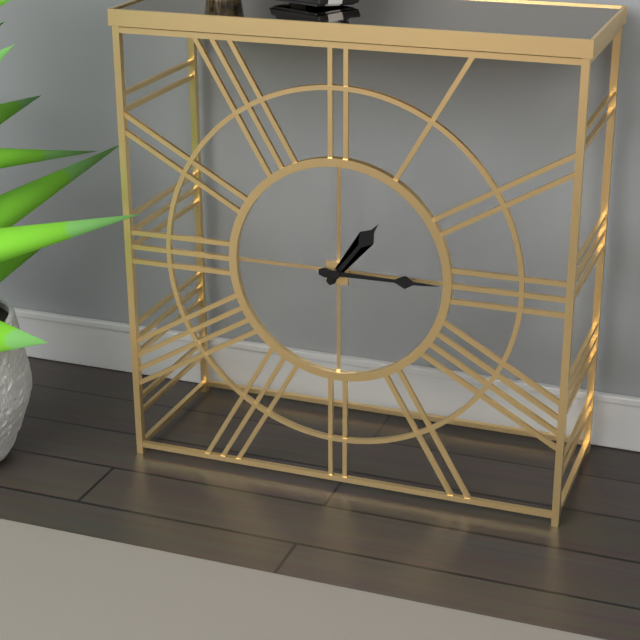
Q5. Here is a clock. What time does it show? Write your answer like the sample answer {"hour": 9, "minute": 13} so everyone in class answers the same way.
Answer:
{"hour": 1, "minute": 15}
